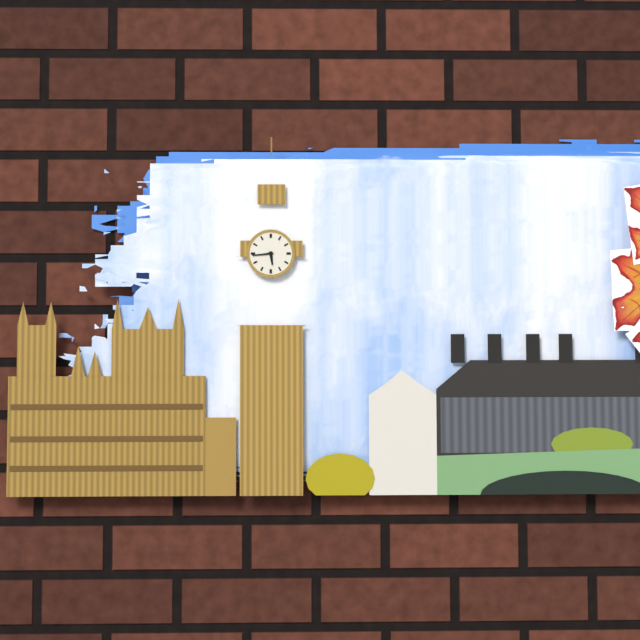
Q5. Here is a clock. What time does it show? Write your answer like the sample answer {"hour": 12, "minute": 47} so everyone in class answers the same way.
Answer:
{"hour": 5, "minute": 44}
